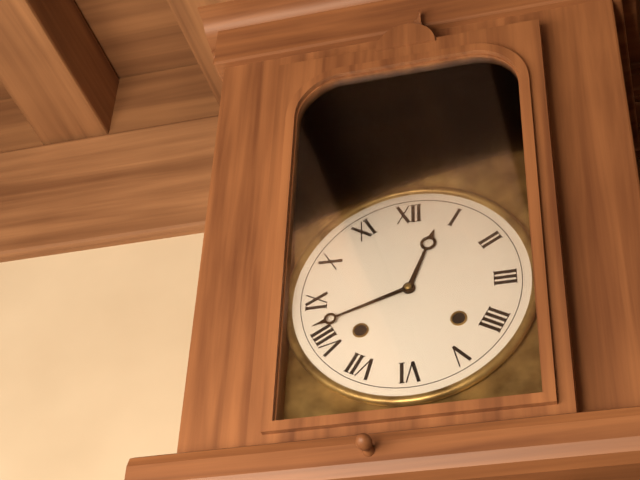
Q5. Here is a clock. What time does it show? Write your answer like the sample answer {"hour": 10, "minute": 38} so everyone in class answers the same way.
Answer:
{"hour": 12, "minute": 42}
